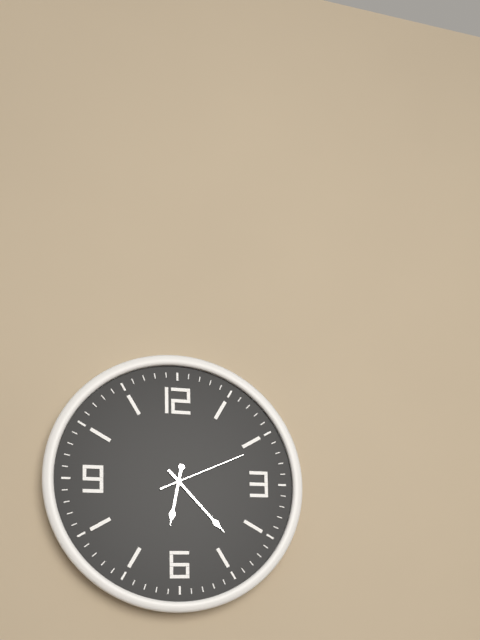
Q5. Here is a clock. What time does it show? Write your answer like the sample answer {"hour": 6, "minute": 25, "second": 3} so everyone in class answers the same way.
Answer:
{"hour": 6, "minute": 23, "second": 11}
